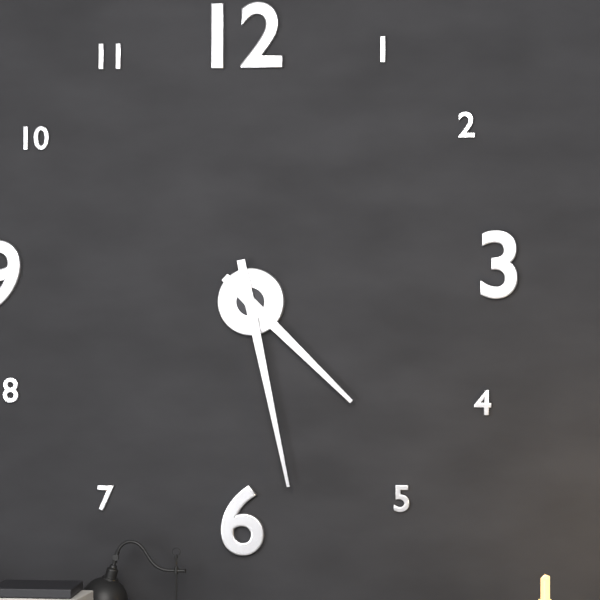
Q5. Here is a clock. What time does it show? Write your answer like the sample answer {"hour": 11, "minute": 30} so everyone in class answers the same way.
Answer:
{"hour": 4, "minute": 28}
